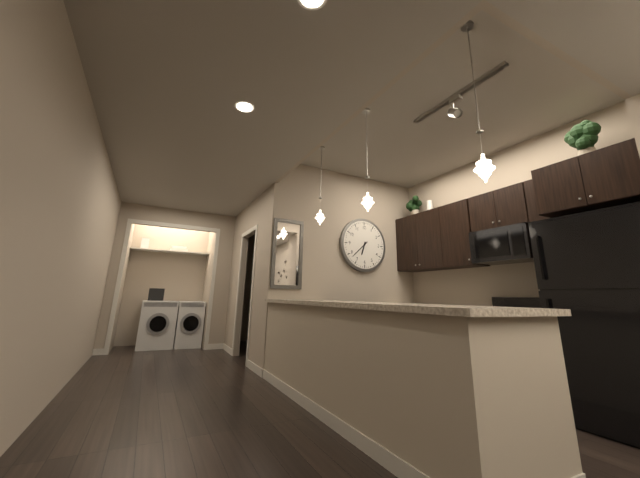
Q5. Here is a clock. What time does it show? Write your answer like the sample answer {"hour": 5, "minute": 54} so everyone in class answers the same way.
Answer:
{"hour": 6, "minute": 38}
